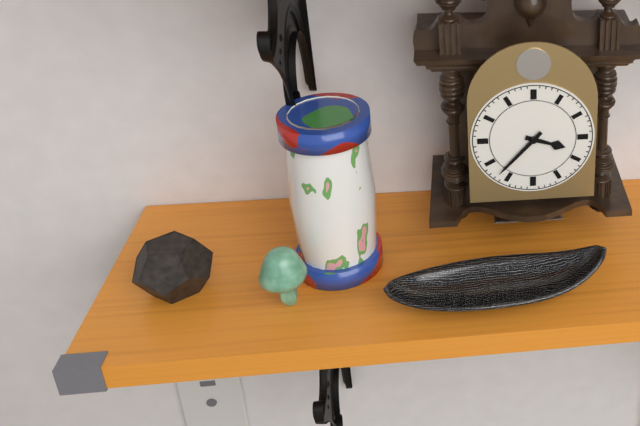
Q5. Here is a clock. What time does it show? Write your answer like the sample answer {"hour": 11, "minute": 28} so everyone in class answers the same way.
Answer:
{"hour": 3, "minute": 37}
